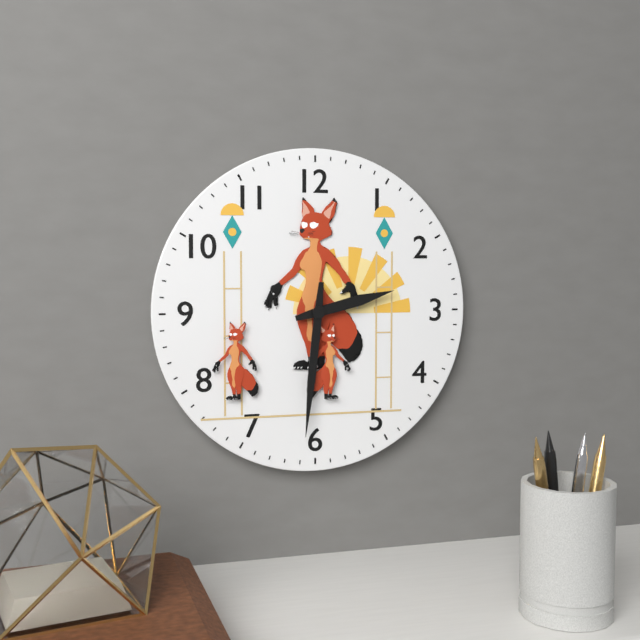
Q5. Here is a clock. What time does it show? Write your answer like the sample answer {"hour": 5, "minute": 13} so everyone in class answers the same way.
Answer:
{"hour": 2, "minute": 31}
